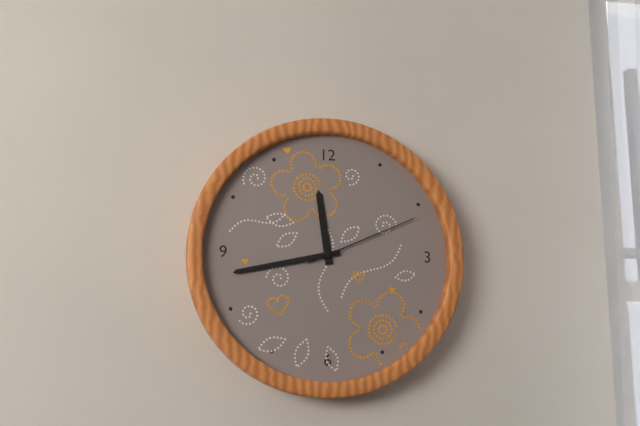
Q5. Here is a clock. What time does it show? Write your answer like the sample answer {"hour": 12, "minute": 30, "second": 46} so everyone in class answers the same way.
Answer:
{"hour": 11, "minute": 43, "second": 11}
